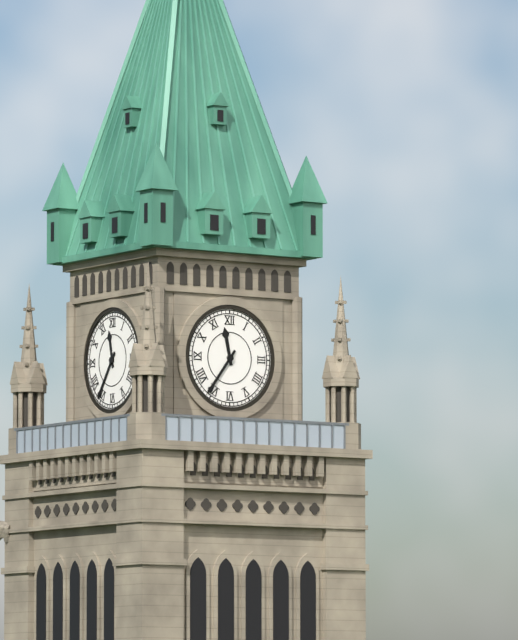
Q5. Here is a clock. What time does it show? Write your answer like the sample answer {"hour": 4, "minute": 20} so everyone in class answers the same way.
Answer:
{"hour": 11, "minute": 36}
